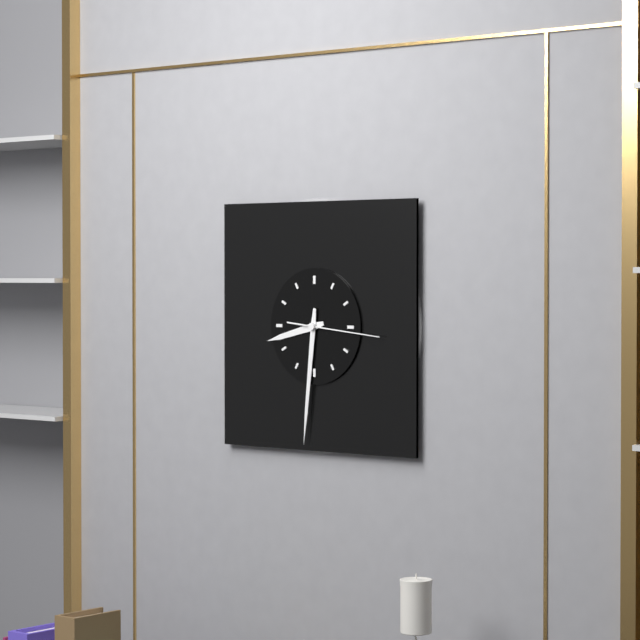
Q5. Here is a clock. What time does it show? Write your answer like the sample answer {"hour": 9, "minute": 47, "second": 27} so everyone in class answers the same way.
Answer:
{"hour": 8, "minute": 31, "second": 16}
